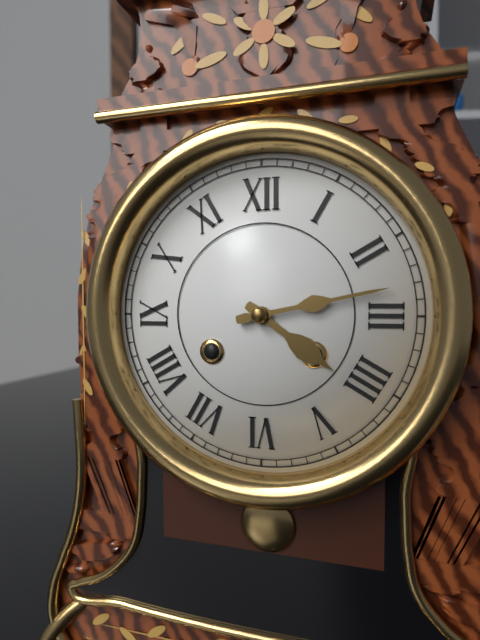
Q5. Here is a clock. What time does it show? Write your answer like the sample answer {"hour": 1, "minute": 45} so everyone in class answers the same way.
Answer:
{"hour": 4, "minute": 13}
